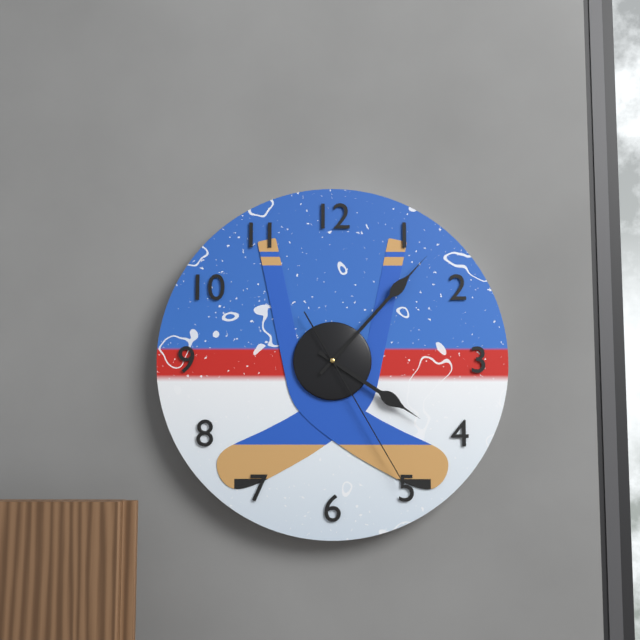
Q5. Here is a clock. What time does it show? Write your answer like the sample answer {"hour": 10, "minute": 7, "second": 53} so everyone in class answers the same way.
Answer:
{"hour": 4, "minute": 7, "second": 25}
